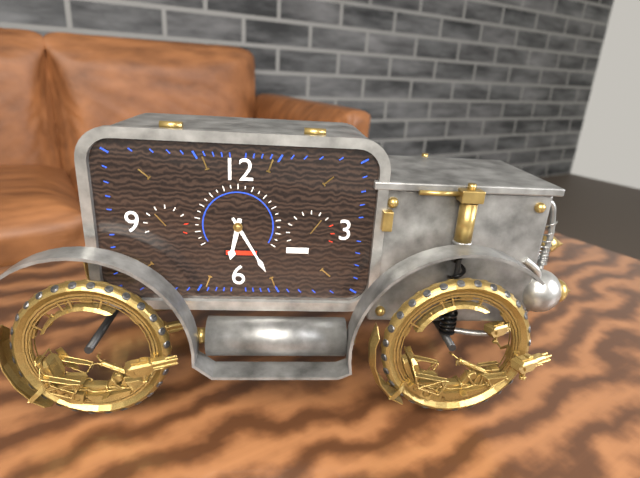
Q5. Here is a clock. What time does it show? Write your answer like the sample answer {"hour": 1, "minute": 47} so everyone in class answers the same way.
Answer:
{"hour": 6, "minute": 25}
